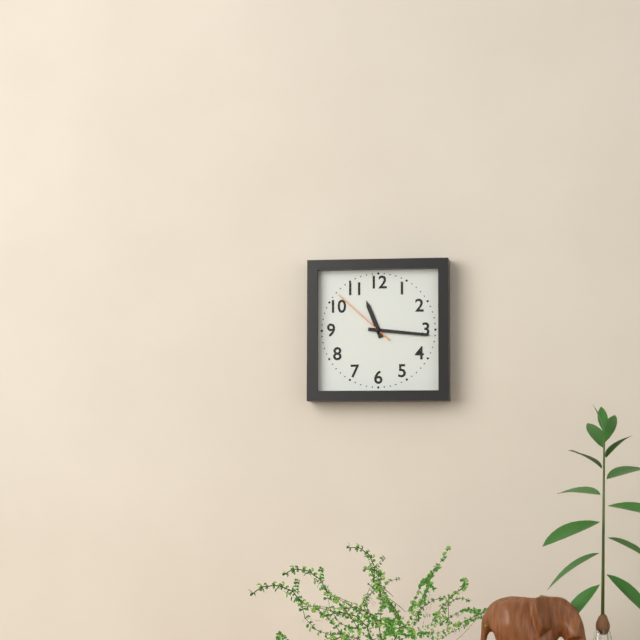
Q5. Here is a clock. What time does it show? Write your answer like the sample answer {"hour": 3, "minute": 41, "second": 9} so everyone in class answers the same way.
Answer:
{"hour": 11, "minute": 16, "second": 52}
